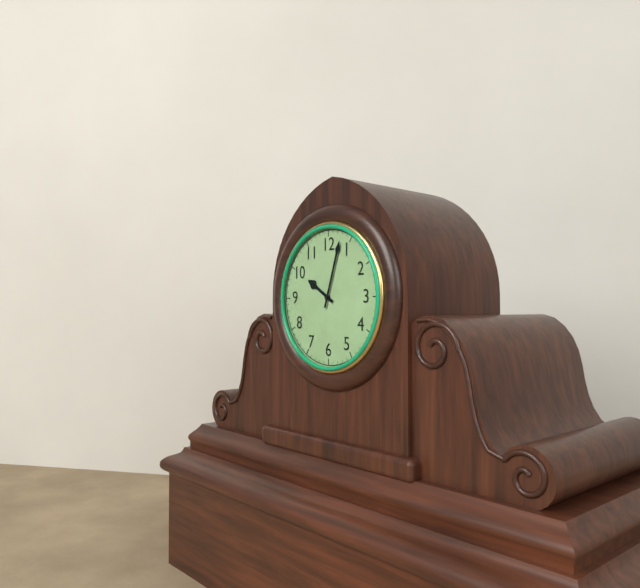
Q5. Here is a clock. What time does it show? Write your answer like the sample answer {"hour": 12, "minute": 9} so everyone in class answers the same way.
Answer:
{"hour": 10, "minute": 3}
